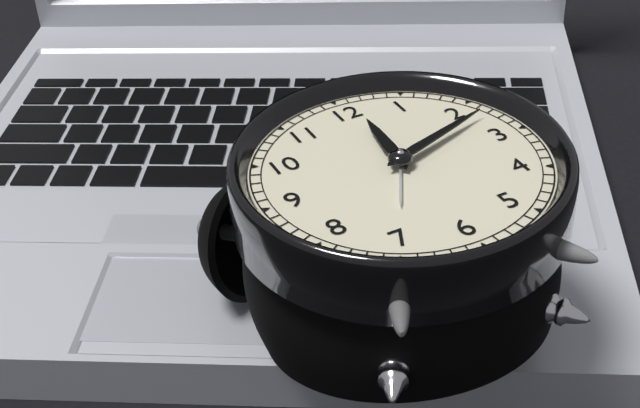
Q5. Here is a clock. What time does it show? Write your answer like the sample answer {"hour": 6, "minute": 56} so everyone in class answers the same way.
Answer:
{"hour": 12, "minute": 12}
